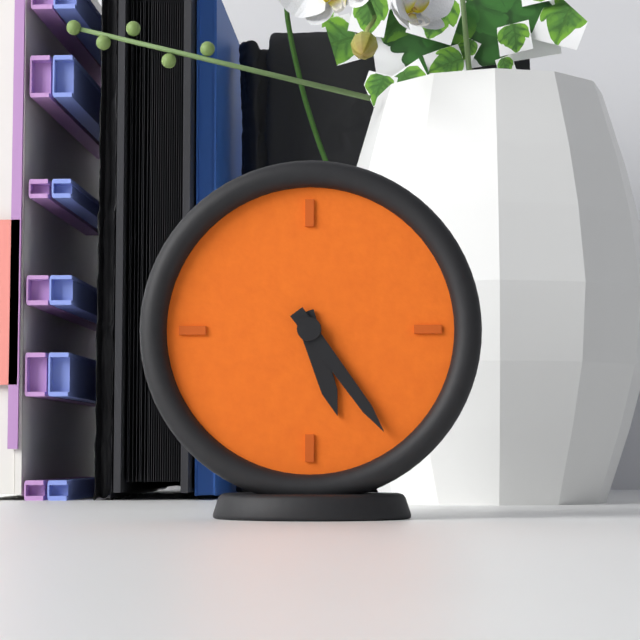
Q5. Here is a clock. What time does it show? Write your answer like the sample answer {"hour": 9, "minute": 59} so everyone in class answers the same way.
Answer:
{"hour": 5, "minute": 24}
